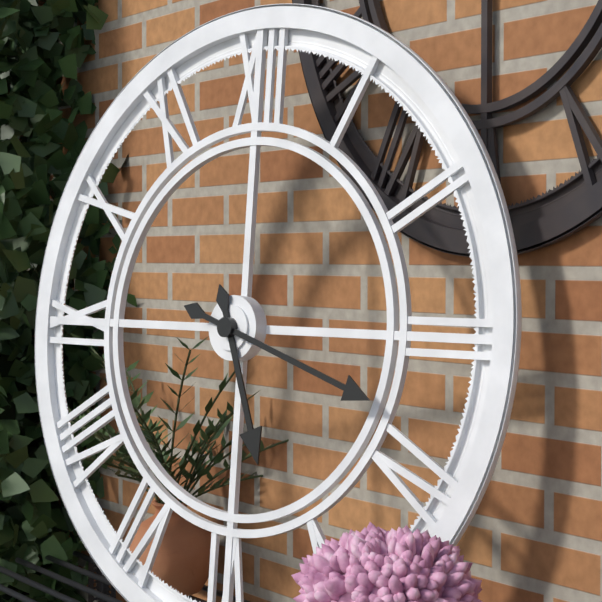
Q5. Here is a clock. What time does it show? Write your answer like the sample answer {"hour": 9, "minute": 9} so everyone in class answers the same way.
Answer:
{"hour": 5, "minute": 18}
